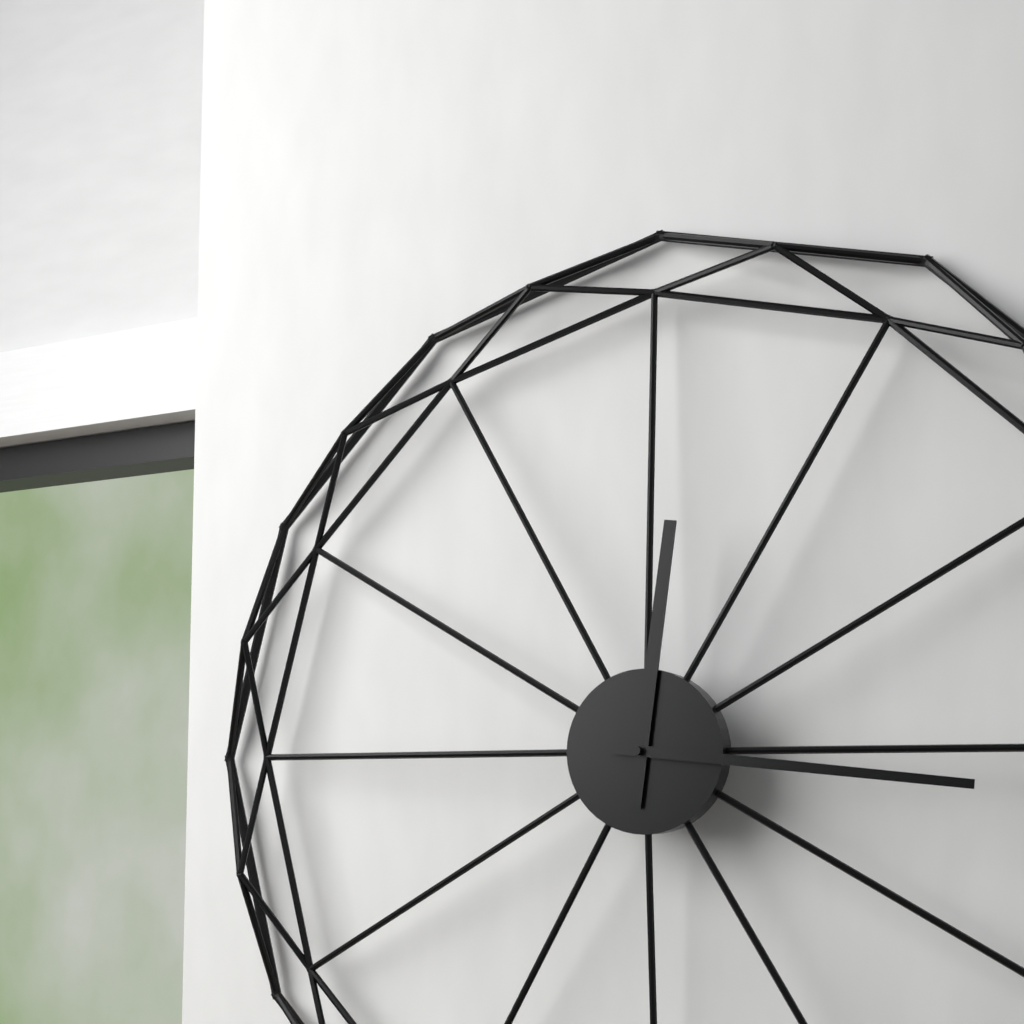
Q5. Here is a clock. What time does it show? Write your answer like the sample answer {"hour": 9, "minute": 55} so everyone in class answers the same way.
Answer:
{"hour": 12, "minute": 16}
